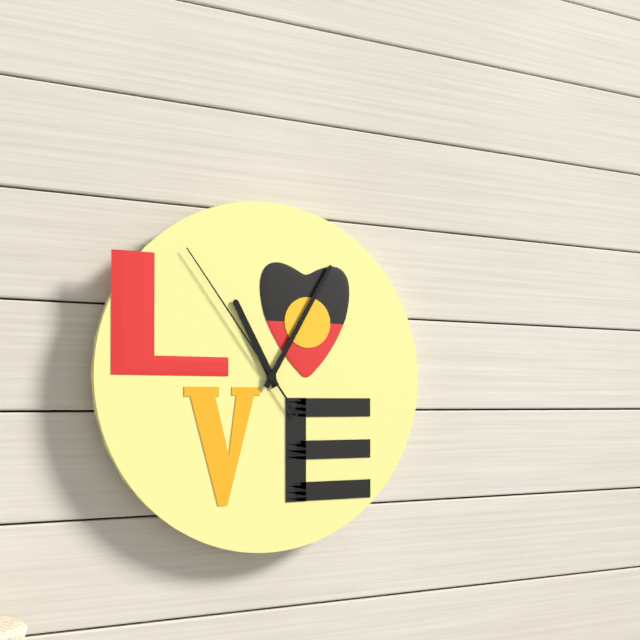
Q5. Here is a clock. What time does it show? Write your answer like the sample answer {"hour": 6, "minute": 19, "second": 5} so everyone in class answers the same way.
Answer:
{"hour": 11, "minute": 5, "second": 54}
